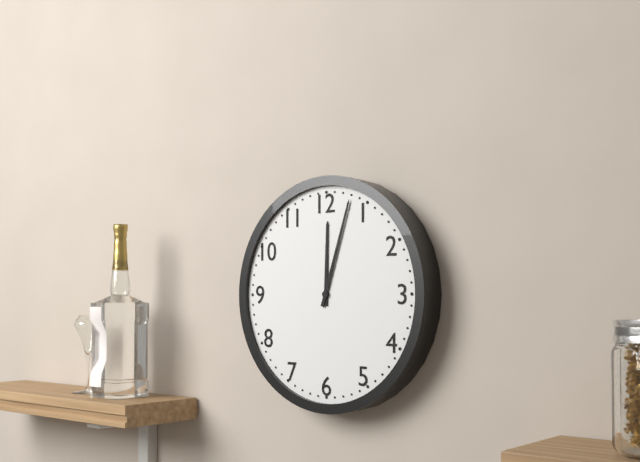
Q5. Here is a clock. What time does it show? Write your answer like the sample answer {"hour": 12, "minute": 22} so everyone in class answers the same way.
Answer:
{"hour": 12, "minute": 3}
